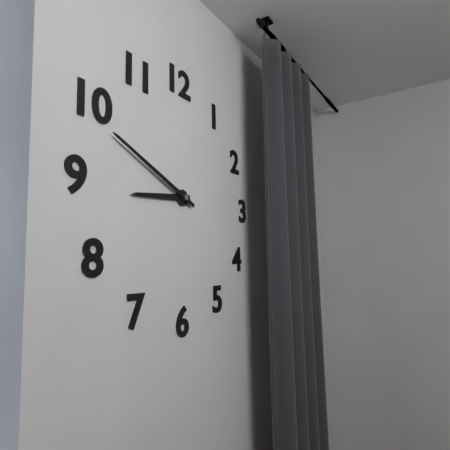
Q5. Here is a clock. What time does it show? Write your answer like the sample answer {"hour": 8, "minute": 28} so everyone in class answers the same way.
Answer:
{"hour": 8, "minute": 49}
